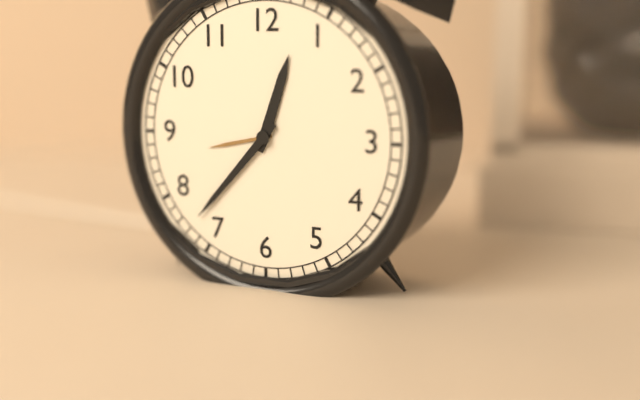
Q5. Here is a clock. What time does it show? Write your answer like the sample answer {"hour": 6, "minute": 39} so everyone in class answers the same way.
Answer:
{"hour": 12, "minute": 37}
